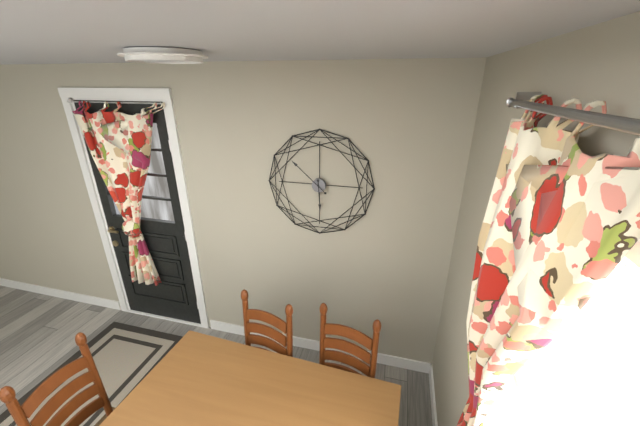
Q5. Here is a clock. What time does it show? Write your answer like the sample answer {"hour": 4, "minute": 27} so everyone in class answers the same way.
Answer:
{"hour": 5, "minute": 52}
